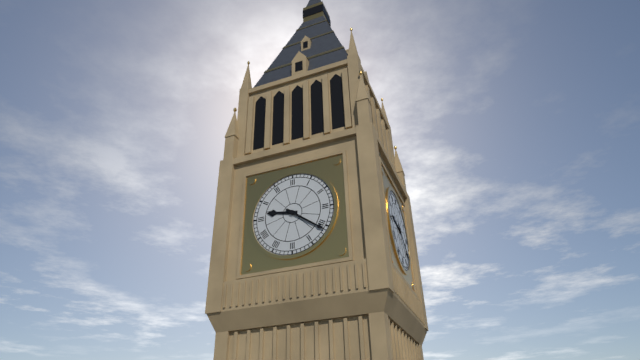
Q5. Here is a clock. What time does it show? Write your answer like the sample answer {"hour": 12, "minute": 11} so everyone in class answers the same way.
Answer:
{"hour": 9, "minute": 21}
